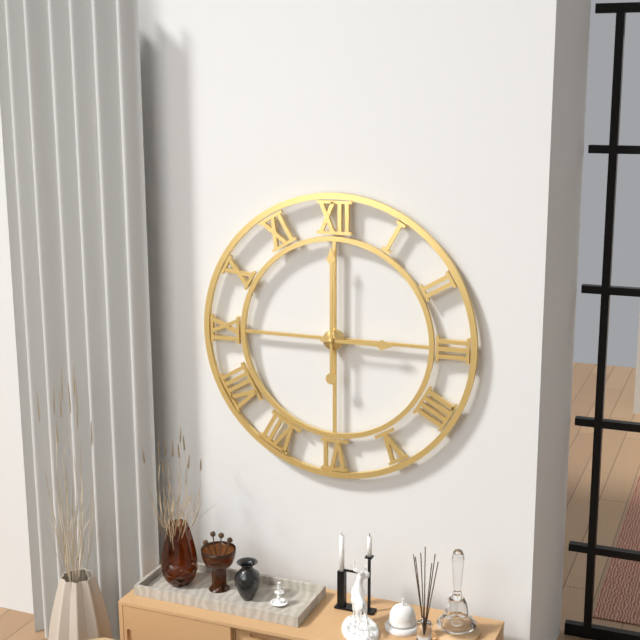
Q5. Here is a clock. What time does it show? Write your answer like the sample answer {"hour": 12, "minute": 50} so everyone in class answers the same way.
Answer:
{"hour": 3, "minute": 0}
